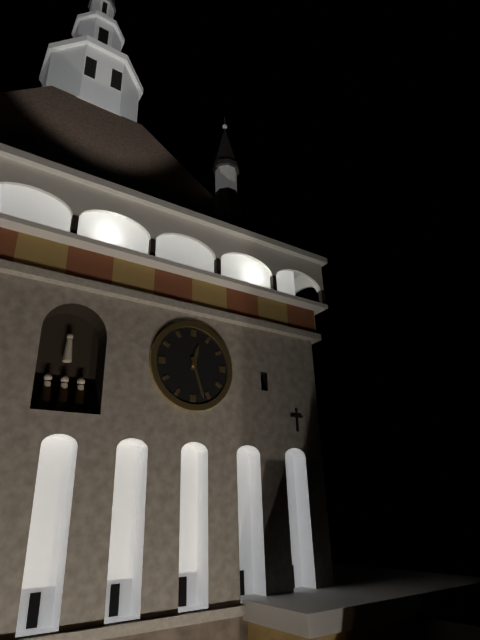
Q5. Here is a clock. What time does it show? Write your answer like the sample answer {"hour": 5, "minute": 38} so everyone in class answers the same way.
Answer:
{"hour": 12, "minute": 27}
